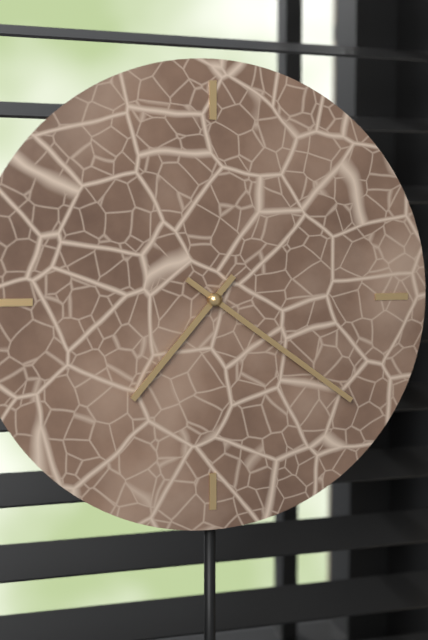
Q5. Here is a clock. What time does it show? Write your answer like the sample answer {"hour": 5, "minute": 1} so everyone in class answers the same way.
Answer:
{"hour": 7, "minute": 21}
